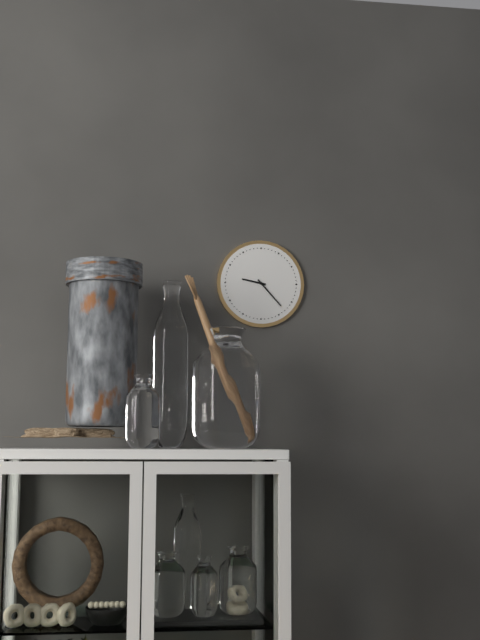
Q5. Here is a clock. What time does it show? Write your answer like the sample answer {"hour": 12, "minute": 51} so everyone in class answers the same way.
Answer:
{"hour": 9, "minute": 23}
